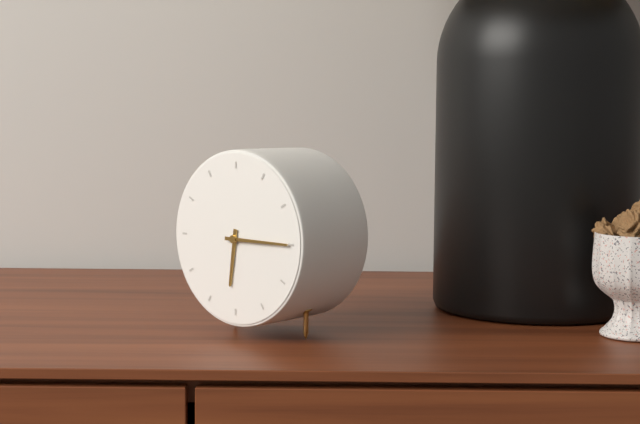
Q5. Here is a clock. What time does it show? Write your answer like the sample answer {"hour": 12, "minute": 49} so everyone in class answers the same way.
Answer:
{"hour": 6, "minute": 15}
